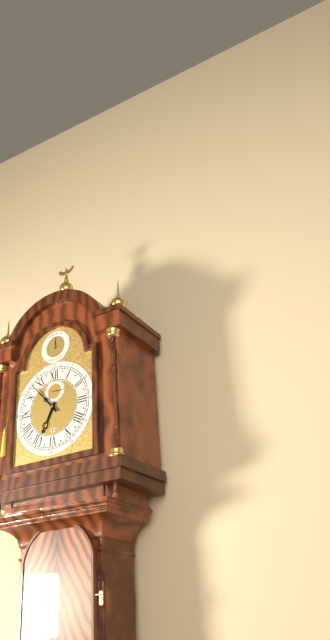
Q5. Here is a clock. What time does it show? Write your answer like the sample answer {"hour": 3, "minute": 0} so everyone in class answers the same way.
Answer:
{"hour": 6, "minute": 53}
